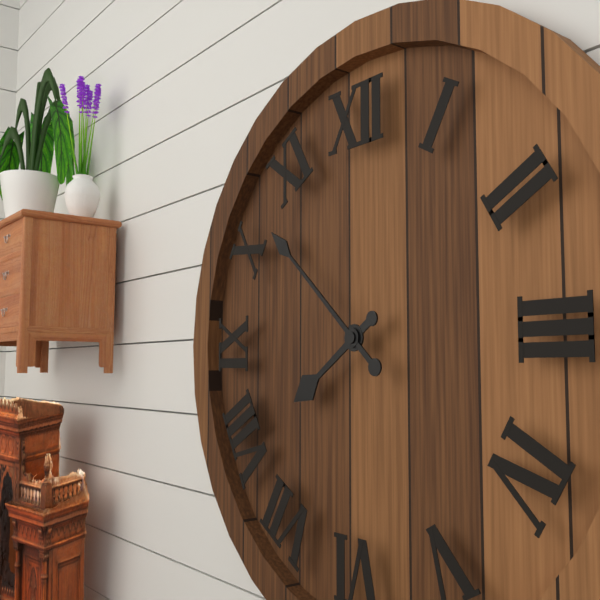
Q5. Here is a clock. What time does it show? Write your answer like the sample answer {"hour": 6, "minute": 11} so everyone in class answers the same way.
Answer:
{"hour": 7, "minute": 52}
